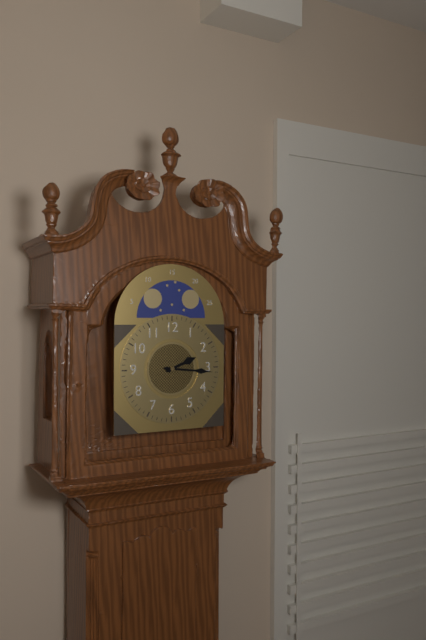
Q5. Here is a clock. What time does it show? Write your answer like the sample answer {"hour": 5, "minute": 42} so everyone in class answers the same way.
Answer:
{"hour": 2, "minute": 16}
